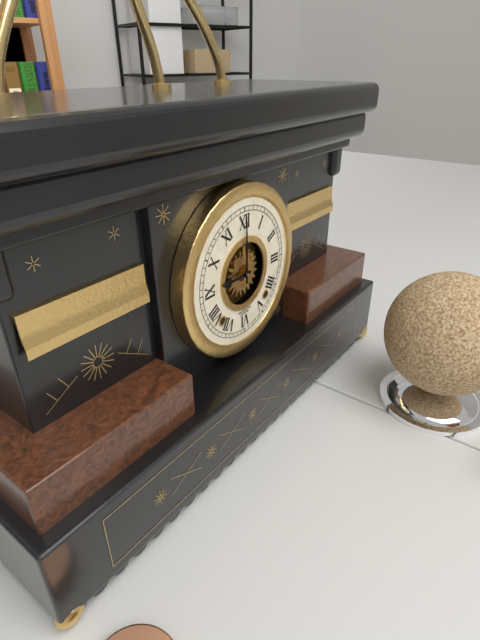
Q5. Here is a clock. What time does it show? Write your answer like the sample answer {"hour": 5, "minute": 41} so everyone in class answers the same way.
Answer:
{"hour": 9, "minute": 0}
